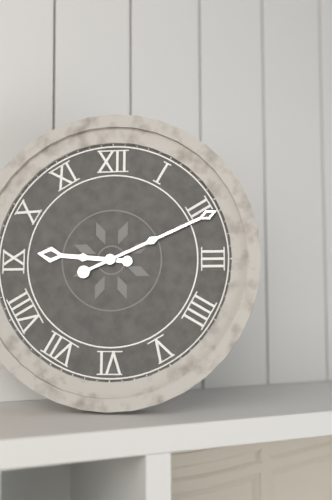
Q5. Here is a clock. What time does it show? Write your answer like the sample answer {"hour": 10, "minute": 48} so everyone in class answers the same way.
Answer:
{"hour": 9, "minute": 11}
